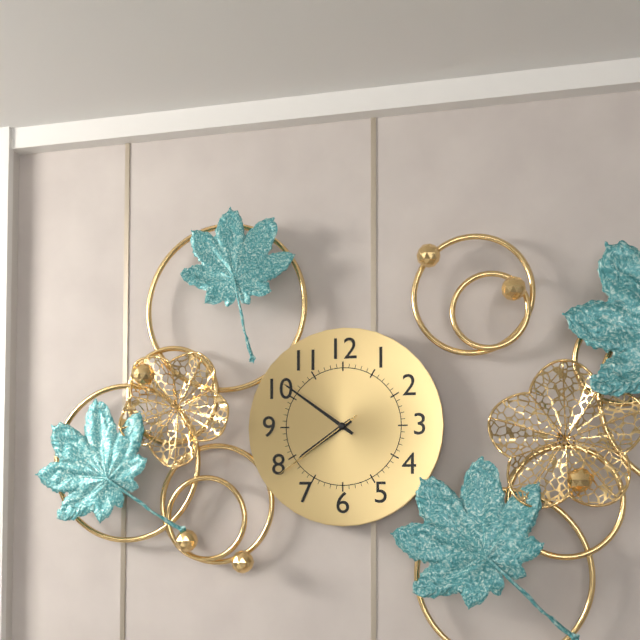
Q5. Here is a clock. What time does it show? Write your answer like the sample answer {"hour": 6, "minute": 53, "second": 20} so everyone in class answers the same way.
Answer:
{"hour": 7, "minute": 51, "second": 39}
